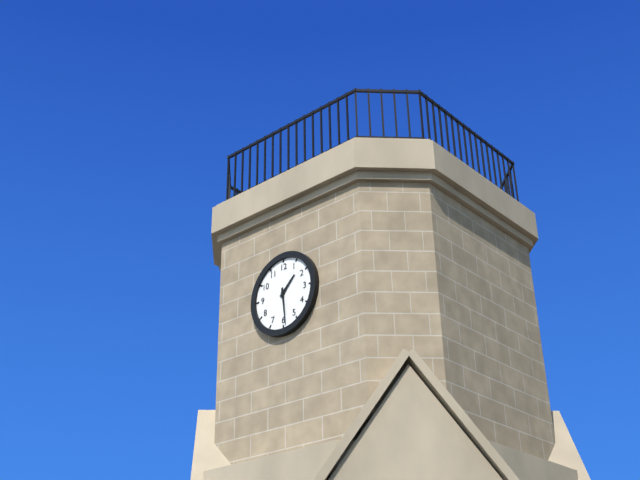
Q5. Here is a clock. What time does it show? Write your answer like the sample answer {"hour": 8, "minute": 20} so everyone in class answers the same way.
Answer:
{"hour": 1, "minute": 29}
